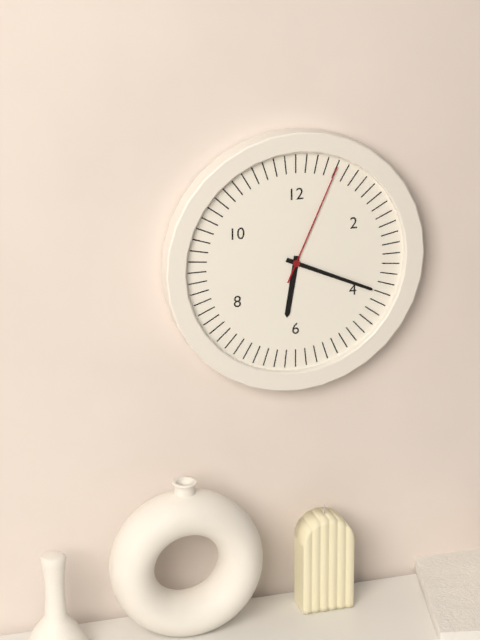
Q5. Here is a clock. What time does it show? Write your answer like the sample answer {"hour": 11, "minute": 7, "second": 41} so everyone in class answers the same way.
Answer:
{"hour": 6, "minute": 19, "second": 4}
